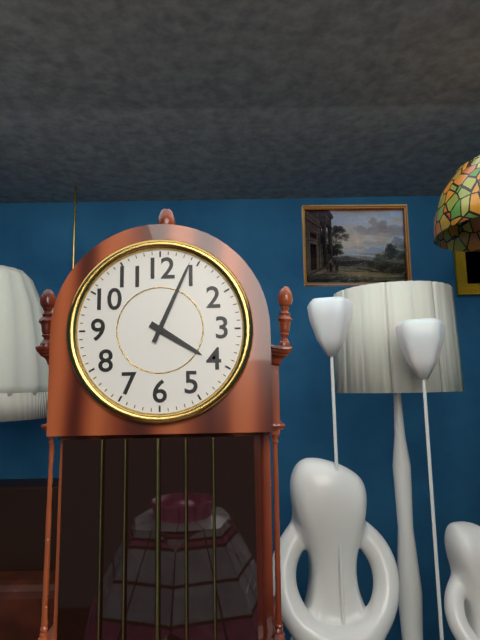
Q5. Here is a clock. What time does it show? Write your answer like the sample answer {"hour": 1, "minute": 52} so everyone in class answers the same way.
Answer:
{"hour": 4, "minute": 4}
